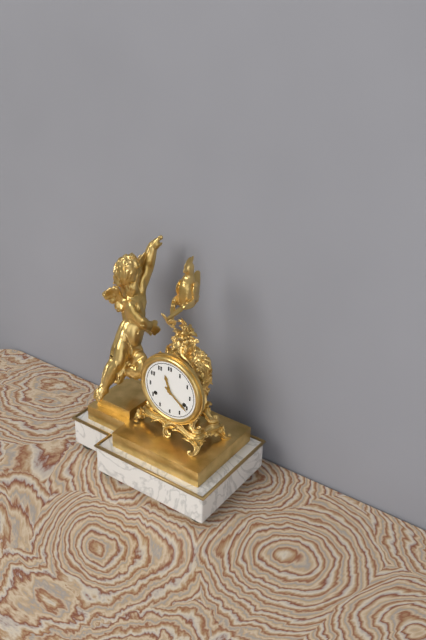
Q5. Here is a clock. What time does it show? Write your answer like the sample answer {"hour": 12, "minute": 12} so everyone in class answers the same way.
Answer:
{"hour": 11, "minute": 21}
